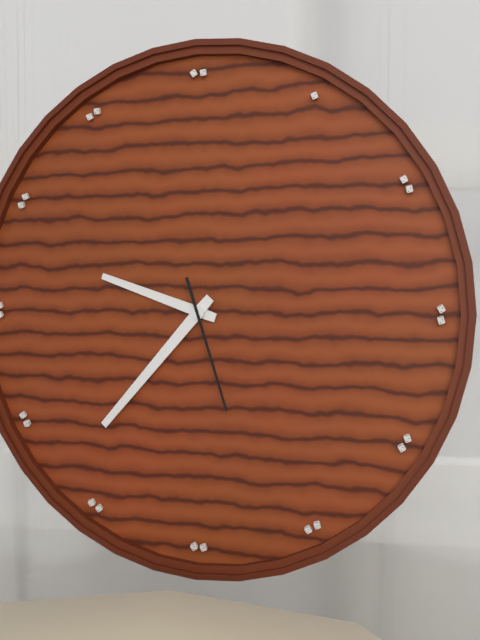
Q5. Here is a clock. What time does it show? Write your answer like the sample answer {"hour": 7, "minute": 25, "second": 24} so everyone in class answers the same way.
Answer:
{"hour": 9, "minute": 37, "second": 27}
